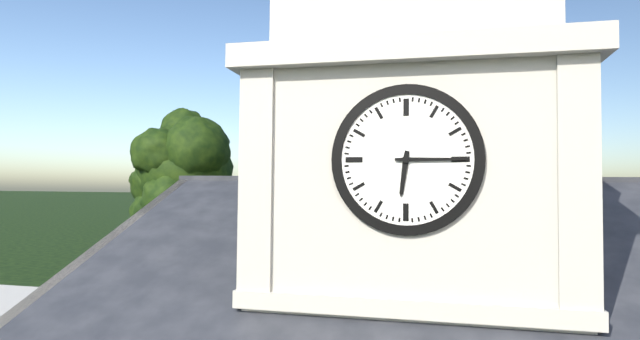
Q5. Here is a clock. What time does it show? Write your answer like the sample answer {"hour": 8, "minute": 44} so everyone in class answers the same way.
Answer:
{"hour": 6, "minute": 15}
